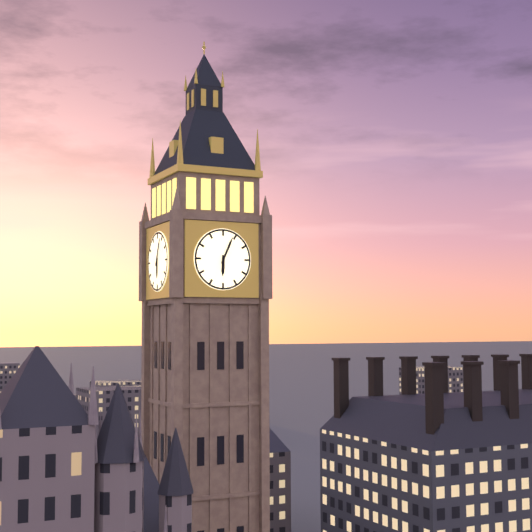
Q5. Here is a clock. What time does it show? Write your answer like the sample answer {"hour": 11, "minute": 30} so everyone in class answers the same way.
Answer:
{"hour": 6, "minute": 4}
